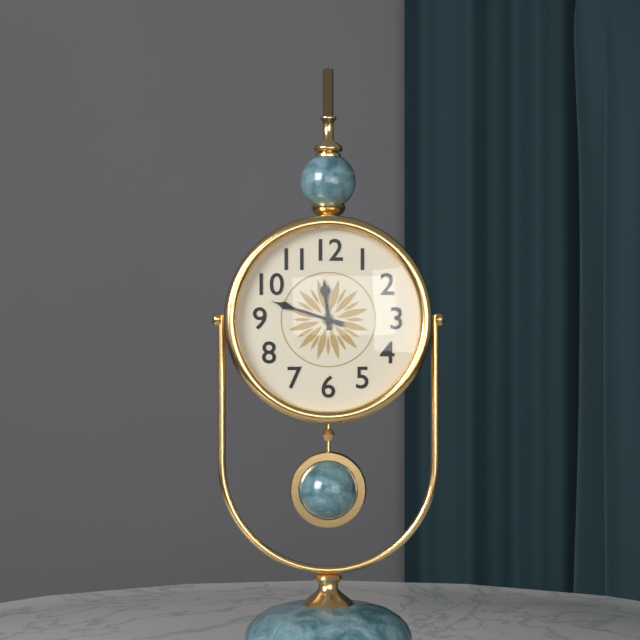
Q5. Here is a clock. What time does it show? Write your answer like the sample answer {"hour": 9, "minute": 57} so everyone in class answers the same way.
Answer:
{"hour": 11, "minute": 48}
